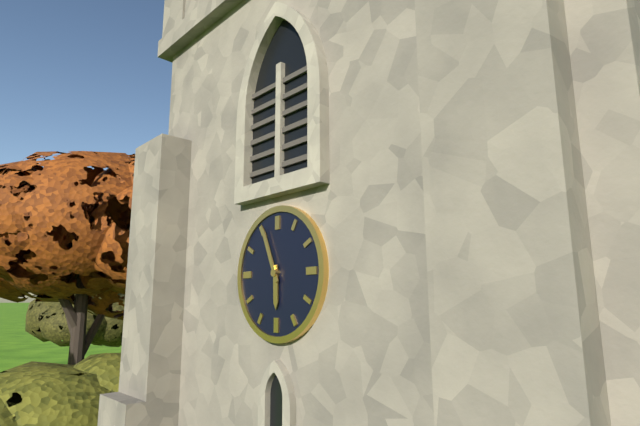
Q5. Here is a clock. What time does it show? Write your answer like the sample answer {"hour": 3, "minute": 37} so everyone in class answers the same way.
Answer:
{"hour": 5, "minute": 56}
